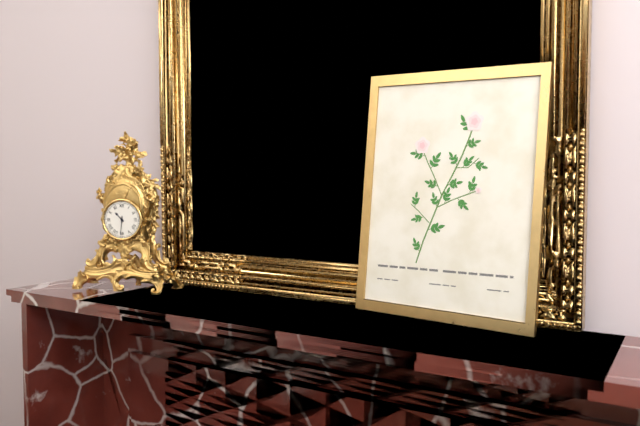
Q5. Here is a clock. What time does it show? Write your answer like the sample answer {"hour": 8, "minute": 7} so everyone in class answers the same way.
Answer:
{"hour": 10, "minute": 31}
